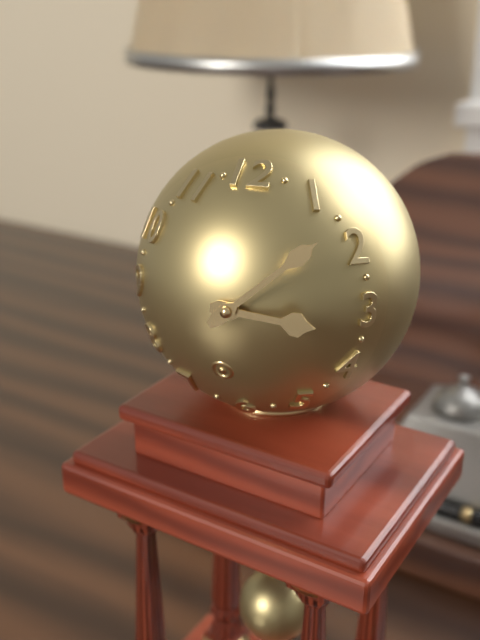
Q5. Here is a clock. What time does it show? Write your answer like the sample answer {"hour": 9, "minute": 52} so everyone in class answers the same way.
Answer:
{"hour": 3, "minute": 8}
